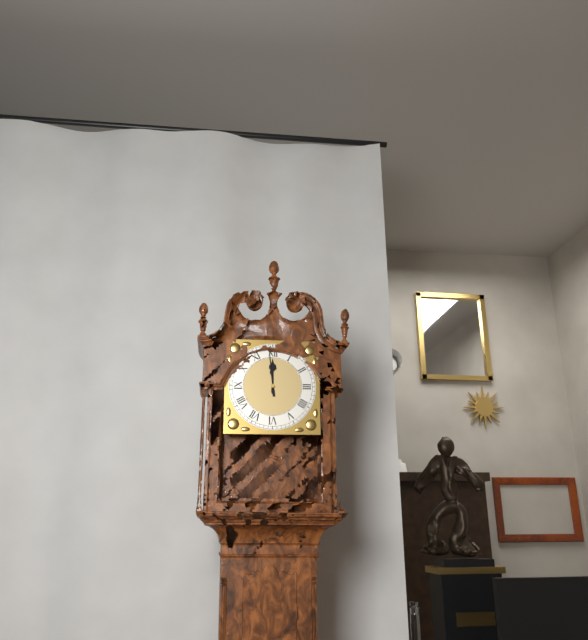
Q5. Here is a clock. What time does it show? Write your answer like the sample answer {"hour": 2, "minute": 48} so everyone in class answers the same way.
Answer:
{"hour": 11, "minute": 59}
